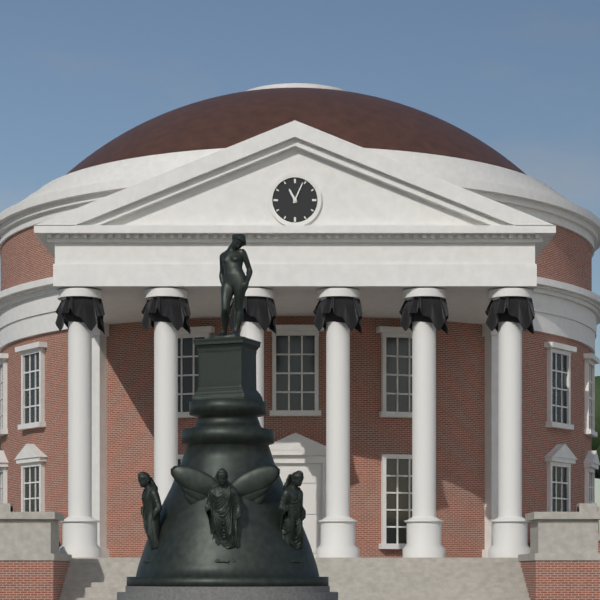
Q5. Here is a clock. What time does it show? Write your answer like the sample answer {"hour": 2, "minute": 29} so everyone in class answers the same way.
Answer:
{"hour": 11, "minute": 4}
